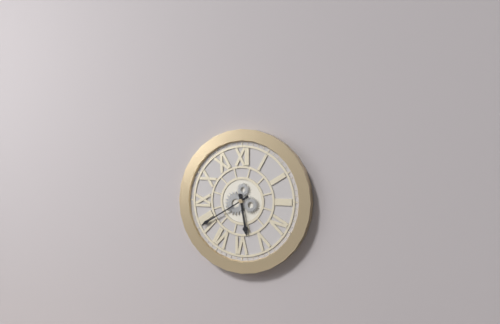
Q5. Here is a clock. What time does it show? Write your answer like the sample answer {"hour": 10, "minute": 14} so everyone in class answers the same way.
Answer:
{"hour": 5, "minute": 40}
